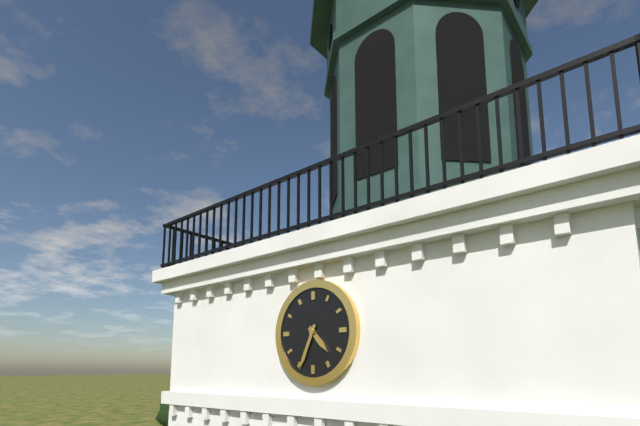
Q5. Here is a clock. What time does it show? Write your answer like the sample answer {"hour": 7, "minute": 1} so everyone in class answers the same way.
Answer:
{"hour": 4, "minute": 34}
